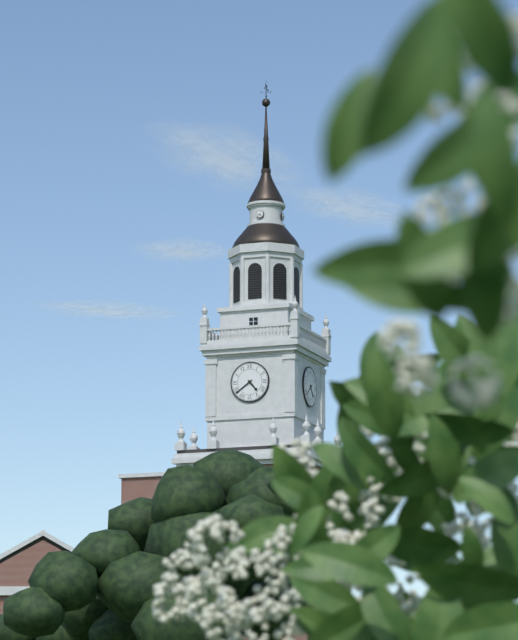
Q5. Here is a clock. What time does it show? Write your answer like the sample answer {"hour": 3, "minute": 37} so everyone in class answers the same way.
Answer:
{"hour": 4, "minute": 39}
